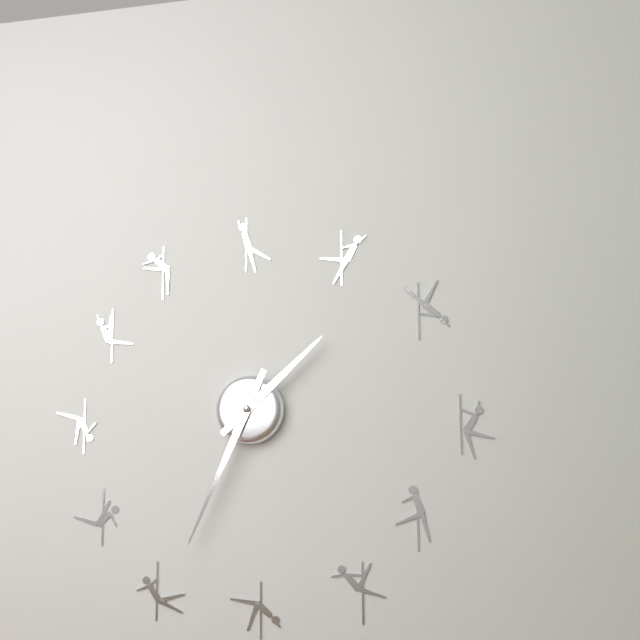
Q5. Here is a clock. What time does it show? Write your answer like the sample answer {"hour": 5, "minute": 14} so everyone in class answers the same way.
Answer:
{"hour": 1, "minute": 34}
